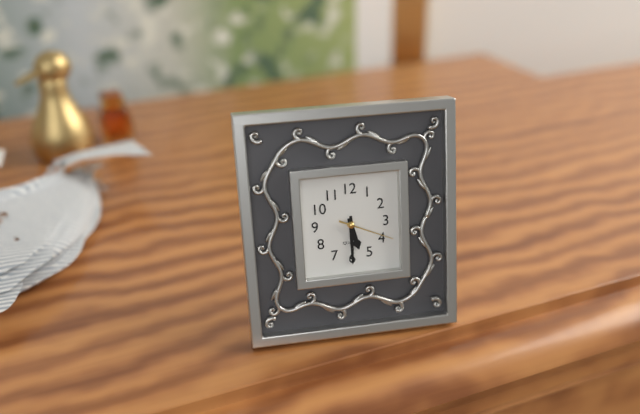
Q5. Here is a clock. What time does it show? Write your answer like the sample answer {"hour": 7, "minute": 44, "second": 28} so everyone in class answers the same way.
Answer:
{"hour": 5, "minute": 30, "second": 19}
